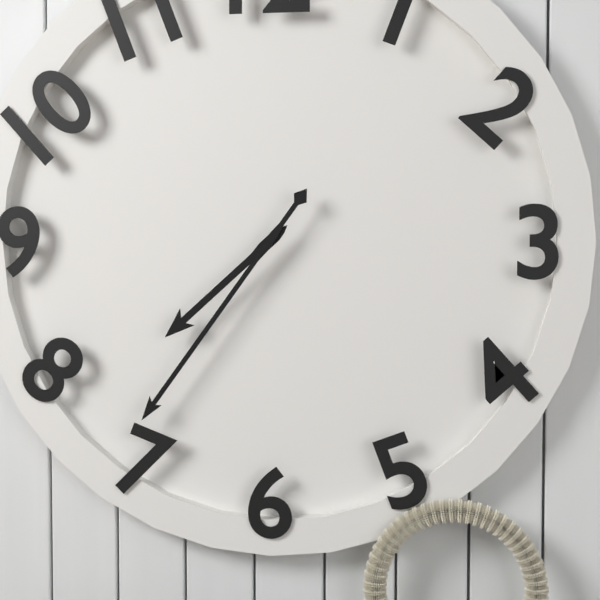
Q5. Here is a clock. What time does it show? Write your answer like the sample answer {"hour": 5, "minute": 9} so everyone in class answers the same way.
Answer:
{"hour": 7, "minute": 36}
